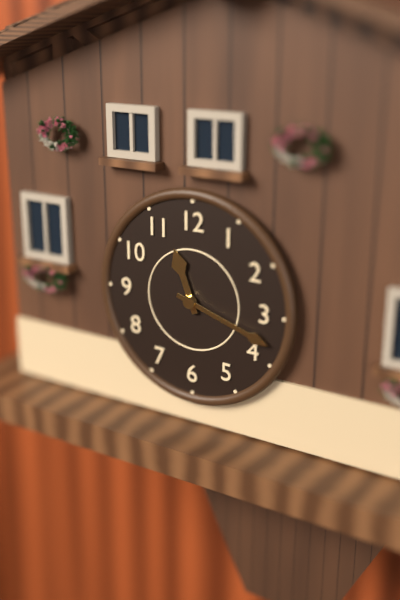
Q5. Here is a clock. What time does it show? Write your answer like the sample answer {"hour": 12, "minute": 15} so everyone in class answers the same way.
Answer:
{"hour": 11, "minute": 18}
